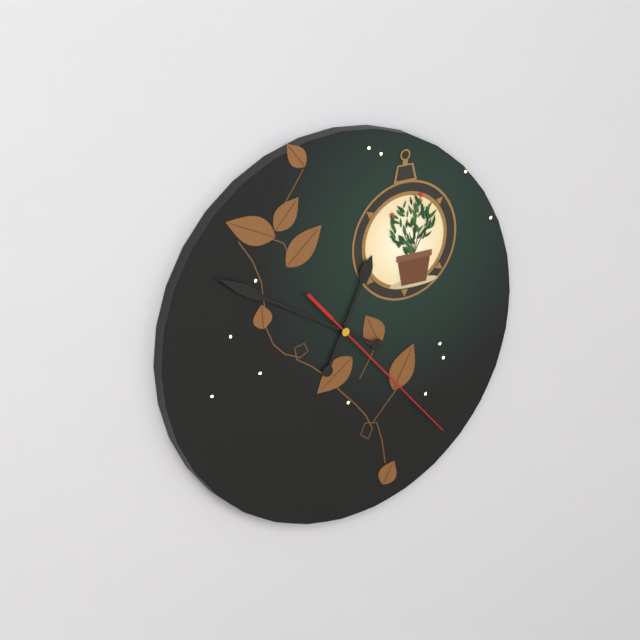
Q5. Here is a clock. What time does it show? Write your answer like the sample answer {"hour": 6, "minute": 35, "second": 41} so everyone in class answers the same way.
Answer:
{"hour": 12, "minute": 50, "second": 23}
